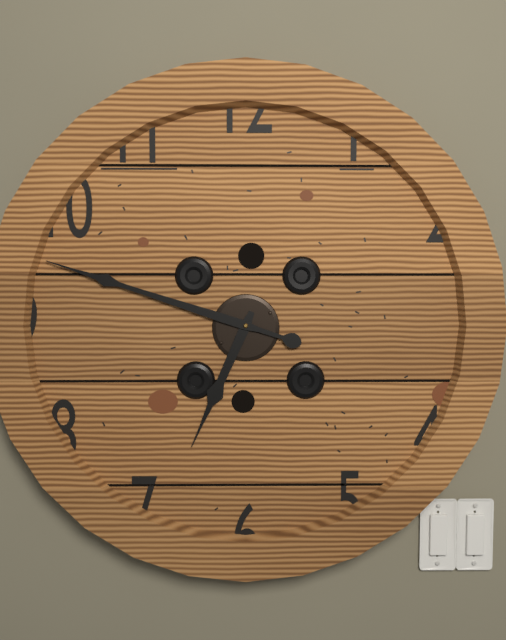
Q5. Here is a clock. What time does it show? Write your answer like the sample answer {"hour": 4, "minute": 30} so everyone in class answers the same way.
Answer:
{"hour": 6, "minute": 48}
